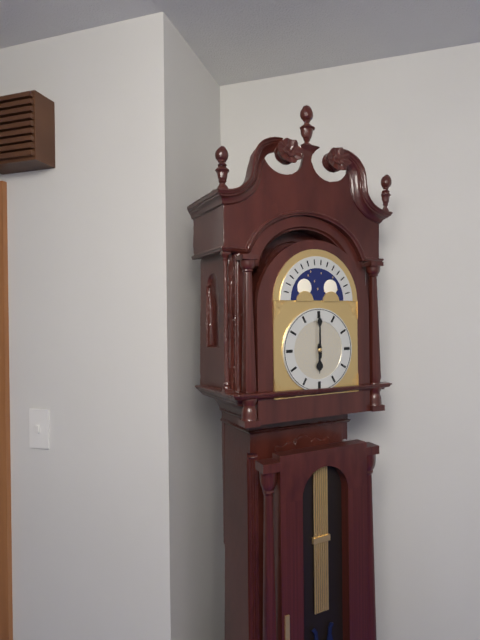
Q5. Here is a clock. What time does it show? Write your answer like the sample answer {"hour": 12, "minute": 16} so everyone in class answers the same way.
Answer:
{"hour": 6, "minute": 0}
